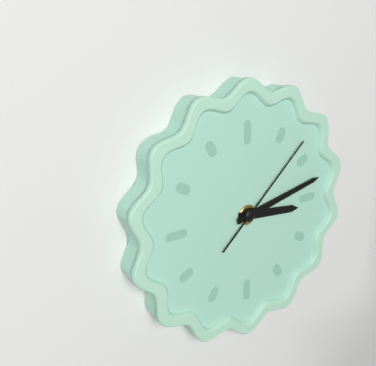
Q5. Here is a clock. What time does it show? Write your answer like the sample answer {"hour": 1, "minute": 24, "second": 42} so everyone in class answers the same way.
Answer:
{"hour": 3, "minute": 13, "second": 8}
